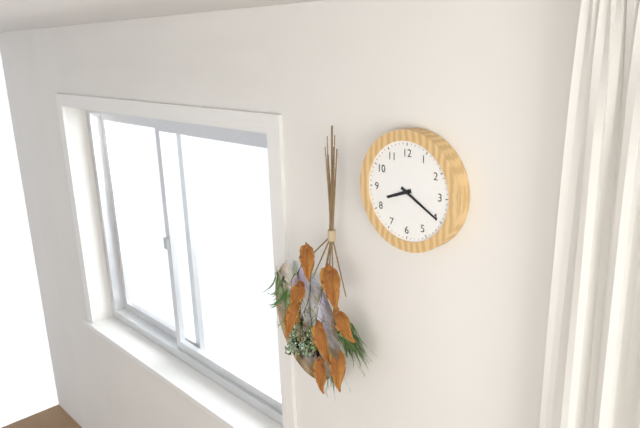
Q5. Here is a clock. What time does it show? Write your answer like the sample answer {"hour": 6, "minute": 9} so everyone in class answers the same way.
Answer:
{"hour": 8, "minute": 20}
